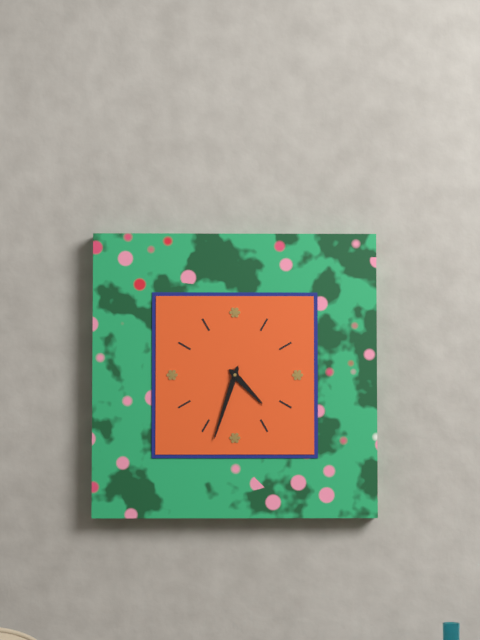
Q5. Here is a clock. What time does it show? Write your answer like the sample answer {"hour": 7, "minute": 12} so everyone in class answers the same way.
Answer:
{"hour": 4, "minute": 33}
